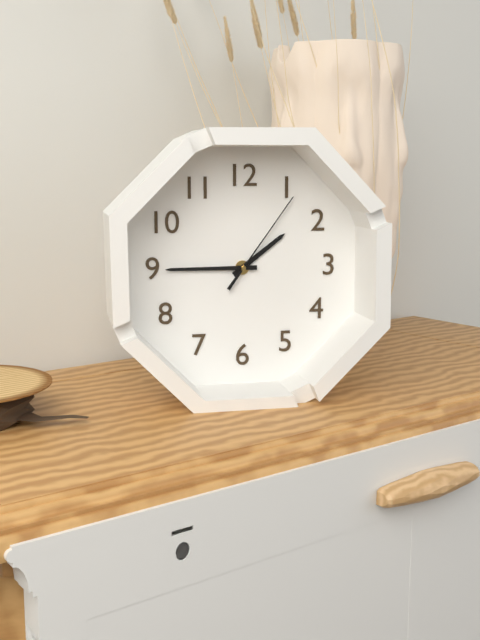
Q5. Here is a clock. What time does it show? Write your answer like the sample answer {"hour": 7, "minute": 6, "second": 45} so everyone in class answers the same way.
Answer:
{"hour": 1, "minute": 45, "second": 6}
